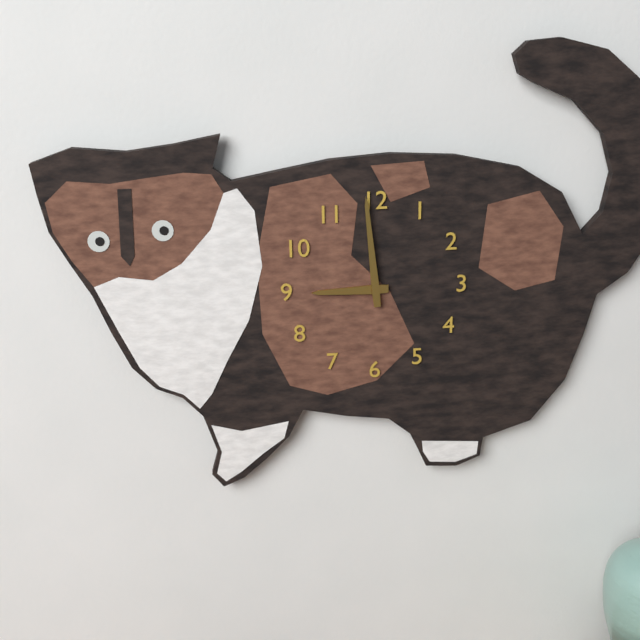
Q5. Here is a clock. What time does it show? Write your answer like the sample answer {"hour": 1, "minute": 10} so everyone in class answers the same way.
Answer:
{"hour": 8, "minute": 59}
